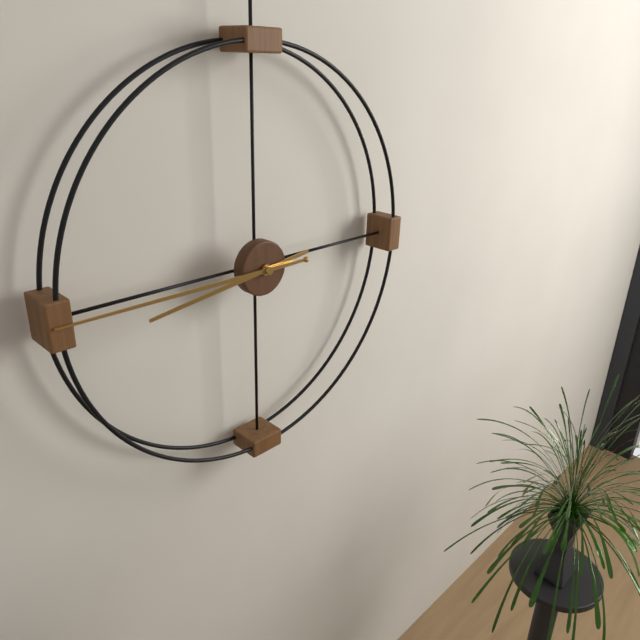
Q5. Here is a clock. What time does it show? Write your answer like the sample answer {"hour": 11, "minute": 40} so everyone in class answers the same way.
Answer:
{"hour": 8, "minute": 45}
